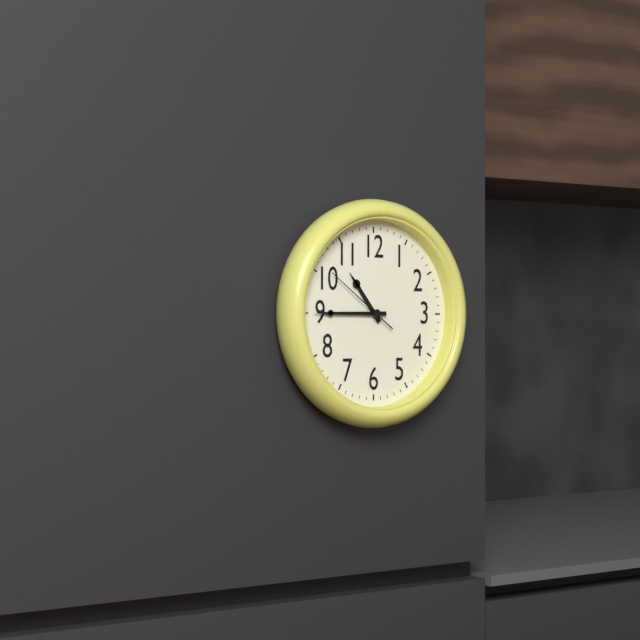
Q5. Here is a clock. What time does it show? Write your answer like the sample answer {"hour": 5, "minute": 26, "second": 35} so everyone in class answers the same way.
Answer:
{"hour": 10, "minute": 45, "second": 51}
